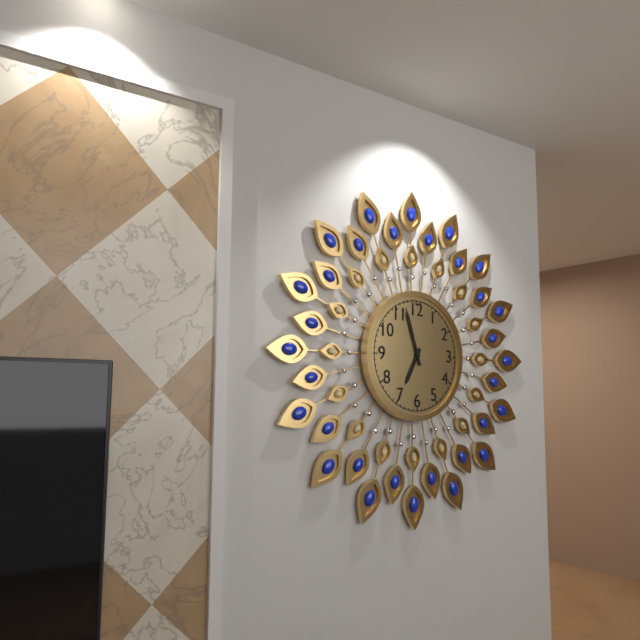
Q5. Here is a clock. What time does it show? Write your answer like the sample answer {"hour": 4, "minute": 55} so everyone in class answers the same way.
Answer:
{"hour": 6, "minute": 57}
